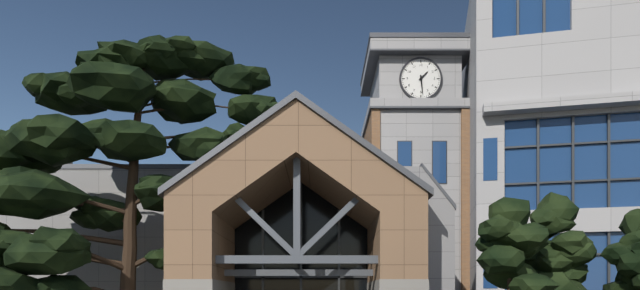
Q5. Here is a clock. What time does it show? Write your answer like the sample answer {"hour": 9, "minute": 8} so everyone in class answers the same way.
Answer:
{"hour": 1, "minute": 29}
